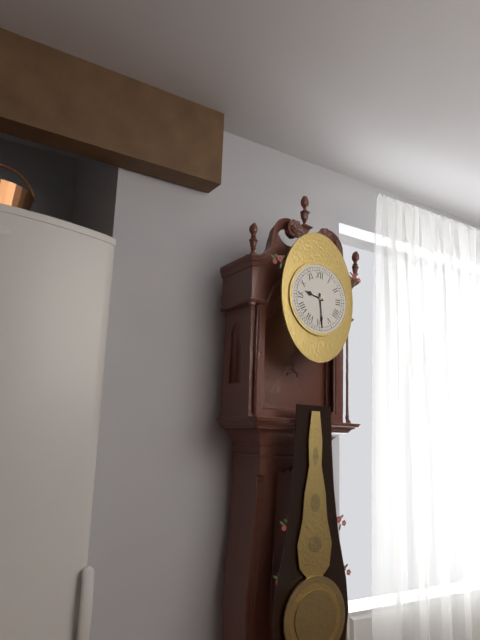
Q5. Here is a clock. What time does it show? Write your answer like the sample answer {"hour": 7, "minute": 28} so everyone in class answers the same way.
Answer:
{"hour": 9, "minute": 29}
